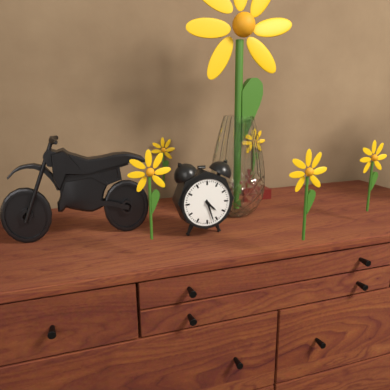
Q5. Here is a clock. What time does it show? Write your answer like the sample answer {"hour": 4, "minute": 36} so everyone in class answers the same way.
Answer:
{"hour": 4, "minute": 27}
